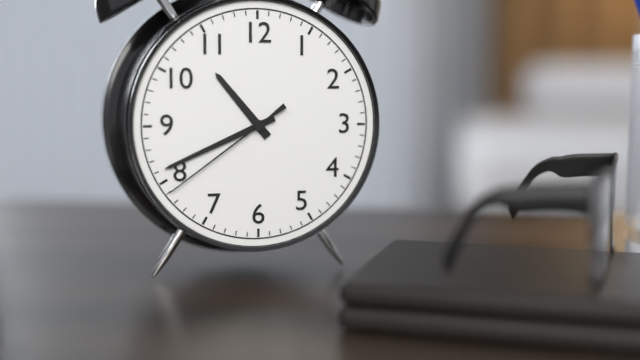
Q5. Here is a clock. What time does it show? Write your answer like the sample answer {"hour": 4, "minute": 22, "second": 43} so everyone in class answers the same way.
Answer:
{"hour": 10, "minute": 41, "second": 39}
